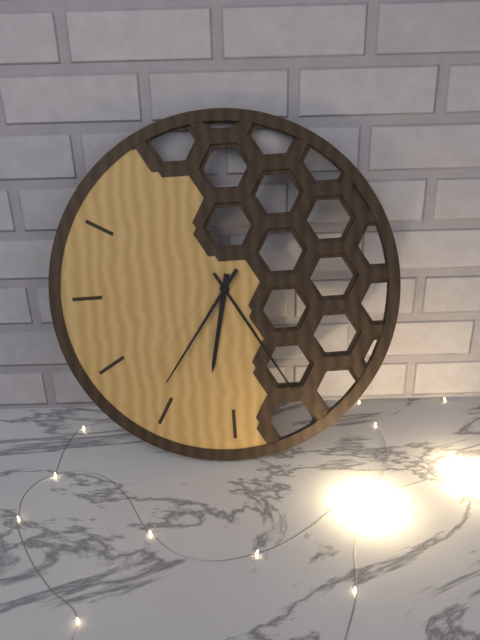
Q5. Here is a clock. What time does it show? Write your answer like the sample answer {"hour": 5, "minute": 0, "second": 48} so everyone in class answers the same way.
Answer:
{"hour": 6, "minute": 25, "second": 36}
